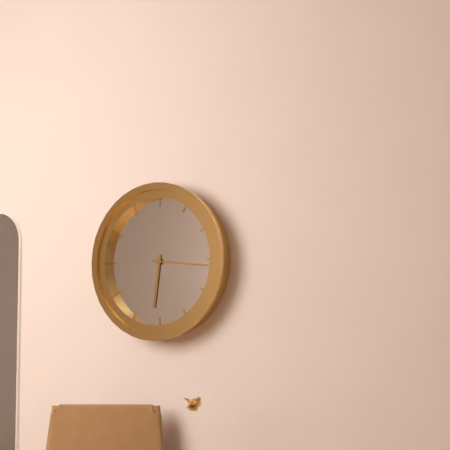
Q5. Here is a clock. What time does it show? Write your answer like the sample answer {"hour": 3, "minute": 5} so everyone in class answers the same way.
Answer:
{"hour": 6, "minute": 16}
